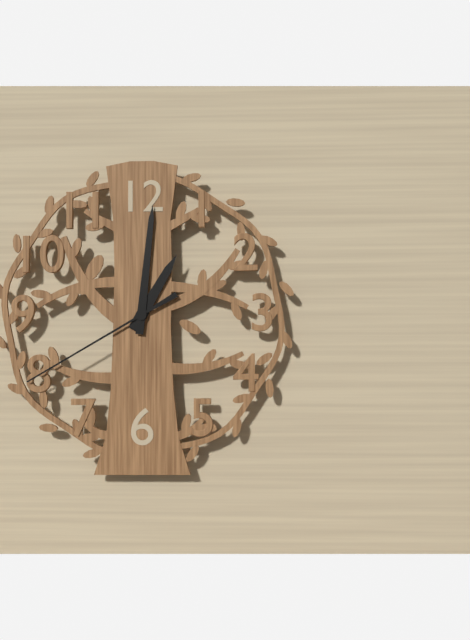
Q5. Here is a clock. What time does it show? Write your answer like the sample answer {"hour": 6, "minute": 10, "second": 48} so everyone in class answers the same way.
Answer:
{"hour": 1, "minute": 1, "second": 40}
